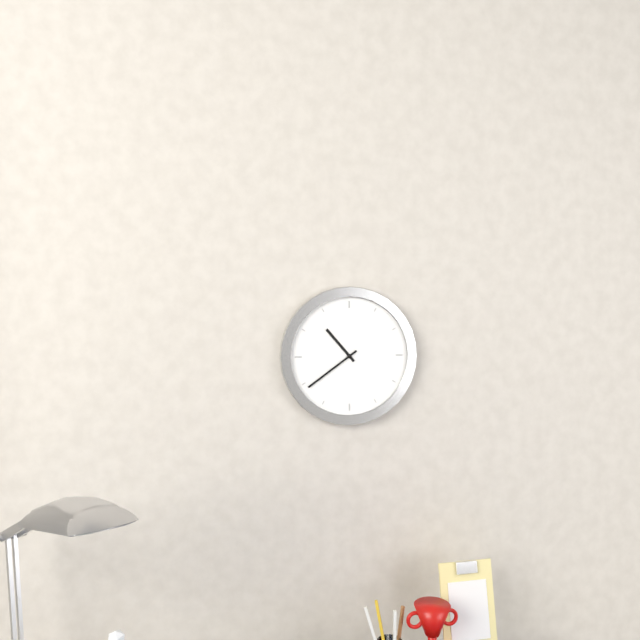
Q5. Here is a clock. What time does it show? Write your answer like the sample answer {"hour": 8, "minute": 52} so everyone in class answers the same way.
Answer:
{"hour": 10, "minute": 39}
